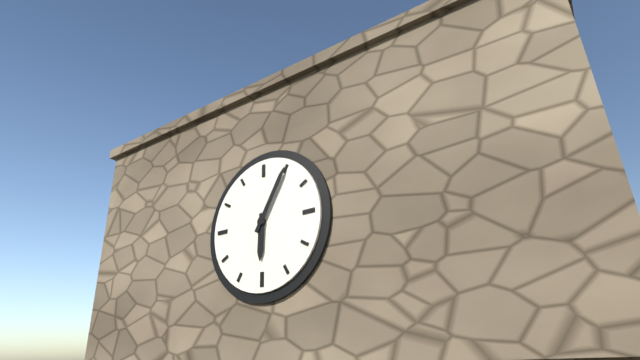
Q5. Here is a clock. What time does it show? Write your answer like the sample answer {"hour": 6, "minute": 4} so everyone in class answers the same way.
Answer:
{"hour": 6, "minute": 5}
